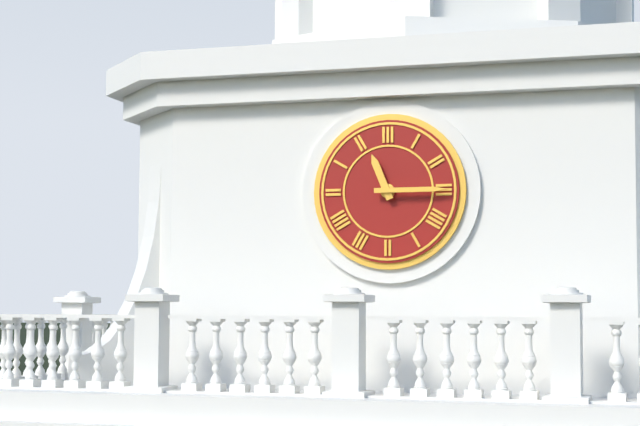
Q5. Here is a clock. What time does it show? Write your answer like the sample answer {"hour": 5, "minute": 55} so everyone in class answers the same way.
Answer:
{"hour": 11, "minute": 15}
